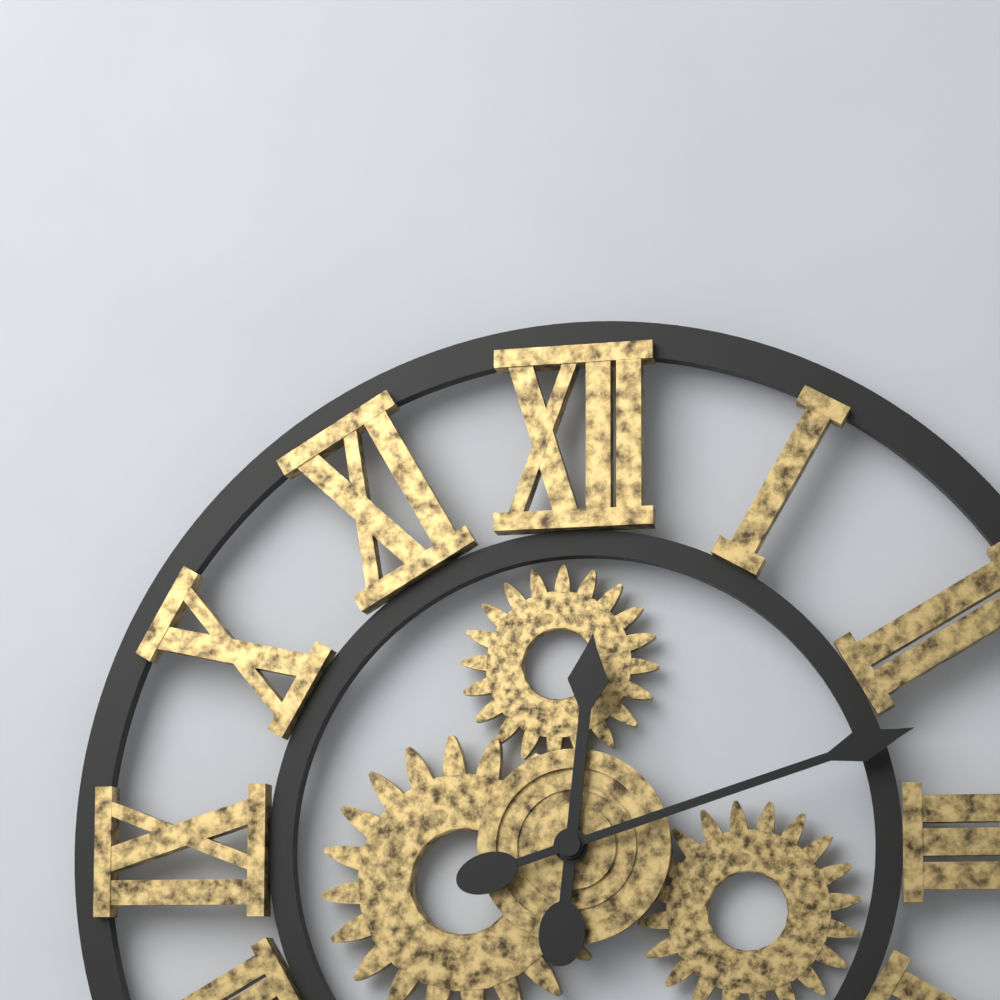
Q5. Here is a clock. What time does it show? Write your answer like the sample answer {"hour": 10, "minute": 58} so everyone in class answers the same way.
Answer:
{"hour": 12, "minute": 12}
